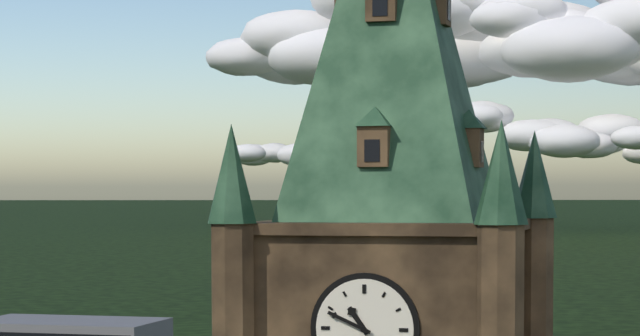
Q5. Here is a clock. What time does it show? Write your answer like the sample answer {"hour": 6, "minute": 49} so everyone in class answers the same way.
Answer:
{"hour": 10, "minute": 49}
